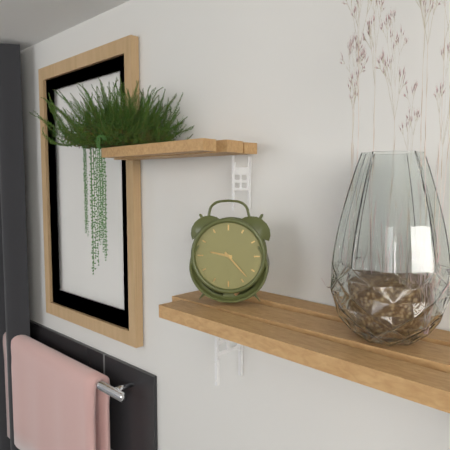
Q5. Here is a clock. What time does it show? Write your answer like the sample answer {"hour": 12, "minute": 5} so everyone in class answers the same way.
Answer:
{"hour": 9, "minute": 23}
